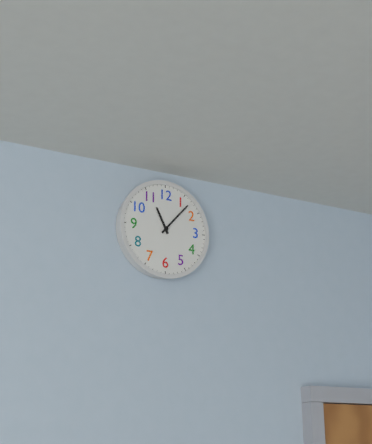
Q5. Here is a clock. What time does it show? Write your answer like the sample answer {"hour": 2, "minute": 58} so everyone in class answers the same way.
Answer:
{"hour": 11, "minute": 7}
